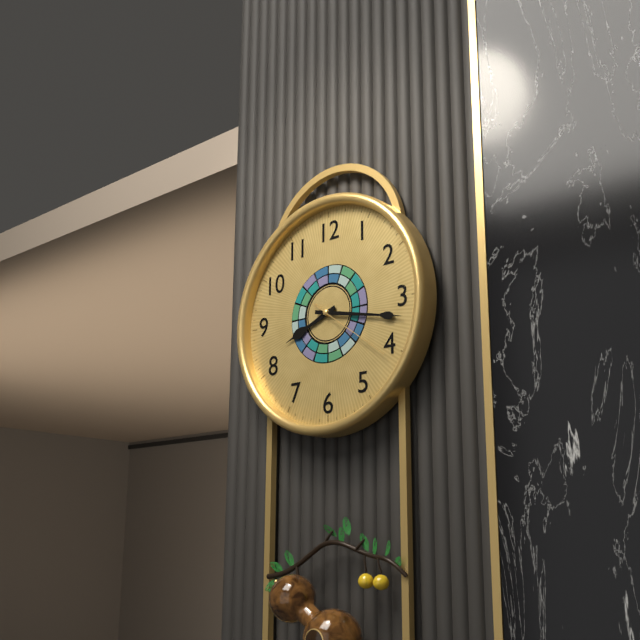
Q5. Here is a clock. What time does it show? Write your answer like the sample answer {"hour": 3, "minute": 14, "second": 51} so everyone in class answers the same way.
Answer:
{"hour": 8, "minute": 17, "second": 21}
